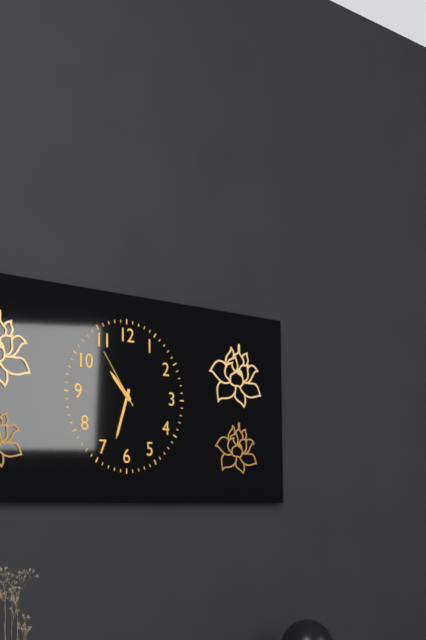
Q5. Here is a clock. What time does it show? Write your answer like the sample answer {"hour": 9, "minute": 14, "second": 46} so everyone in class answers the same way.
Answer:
{"hour": 10, "minute": 33, "second": 54}
